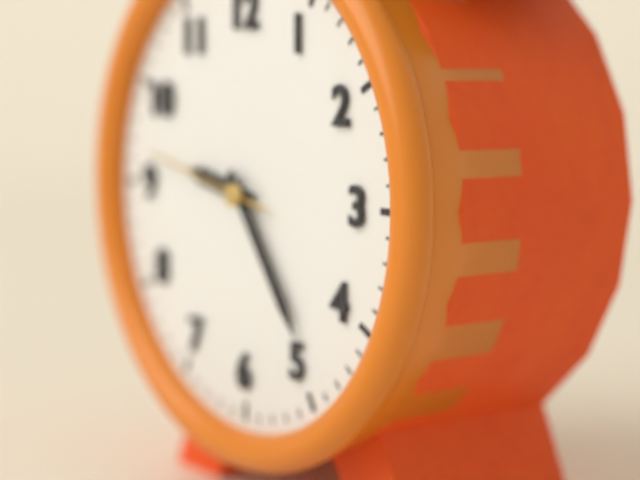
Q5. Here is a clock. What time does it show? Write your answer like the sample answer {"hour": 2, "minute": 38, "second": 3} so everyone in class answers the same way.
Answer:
{"hour": 9, "minute": 24, "second": 47}
